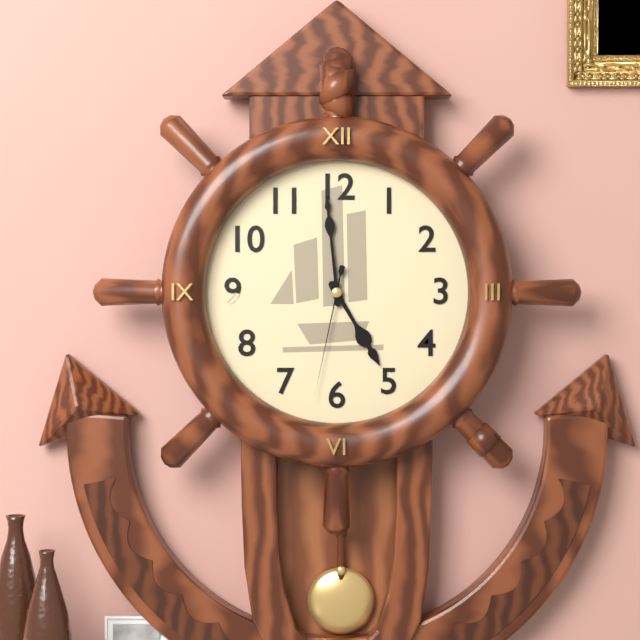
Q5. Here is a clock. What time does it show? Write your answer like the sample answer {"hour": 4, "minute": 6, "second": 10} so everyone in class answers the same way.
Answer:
{"hour": 4, "minute": 59, "second": 32}
